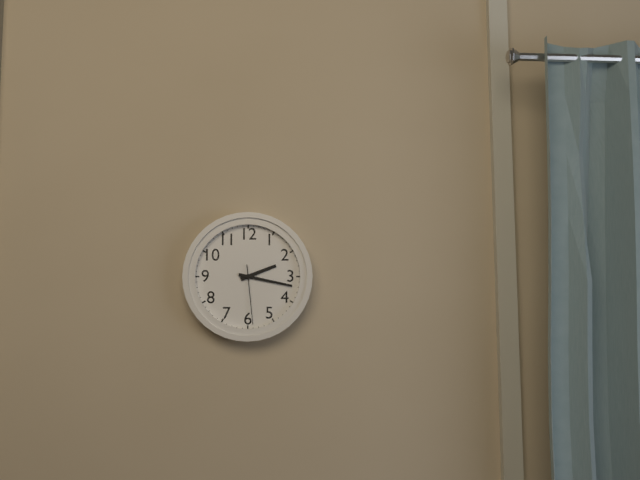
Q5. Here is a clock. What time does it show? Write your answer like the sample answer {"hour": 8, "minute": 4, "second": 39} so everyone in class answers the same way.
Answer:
{"hour": 2, "minute": 17, "second": 29}
